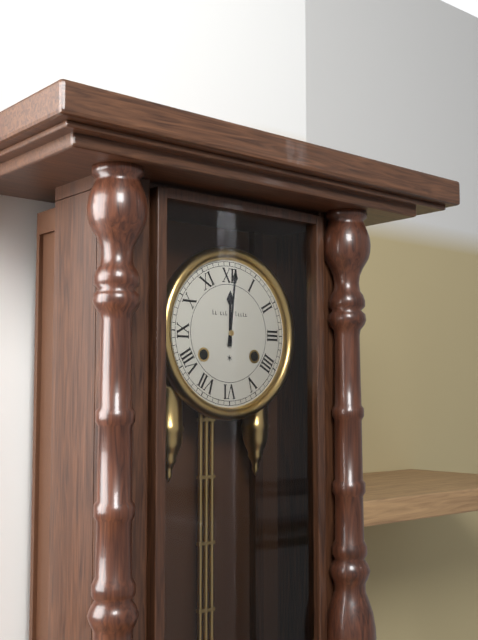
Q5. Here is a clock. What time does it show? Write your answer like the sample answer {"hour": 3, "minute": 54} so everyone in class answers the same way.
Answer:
{"hour": 12, "minute": 1}
